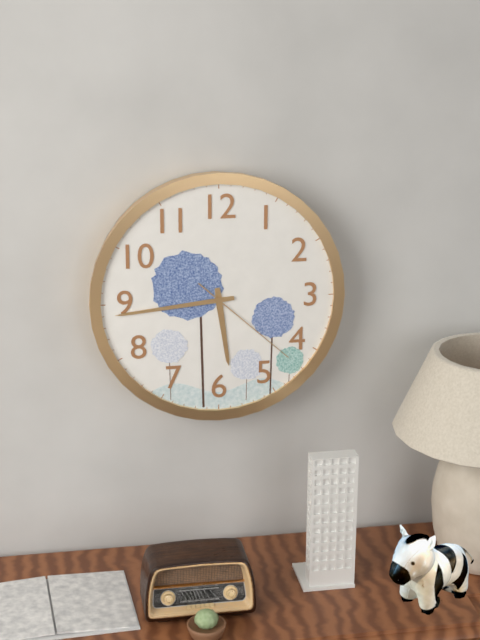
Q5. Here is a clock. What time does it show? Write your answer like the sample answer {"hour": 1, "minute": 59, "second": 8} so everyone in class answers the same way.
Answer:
{"hour": 5, "minute": 44, "second": 22}
